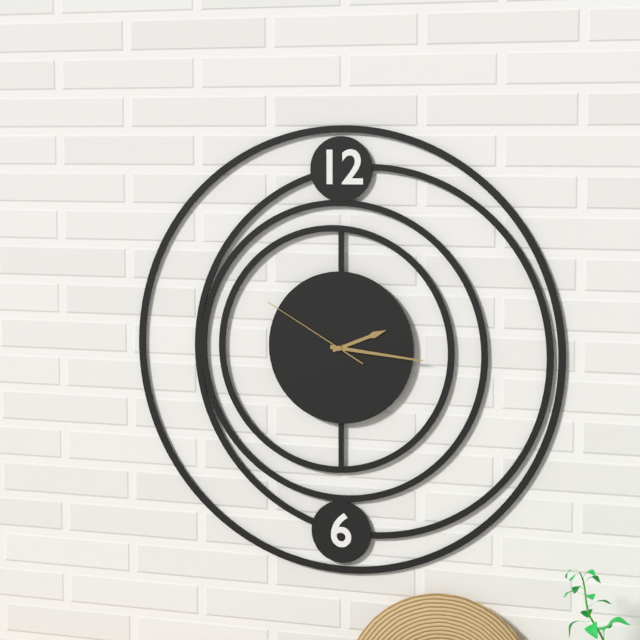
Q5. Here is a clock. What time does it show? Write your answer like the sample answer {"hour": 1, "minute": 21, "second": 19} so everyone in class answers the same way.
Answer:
{"hour": 2, "minute": 16, "second": 50}
